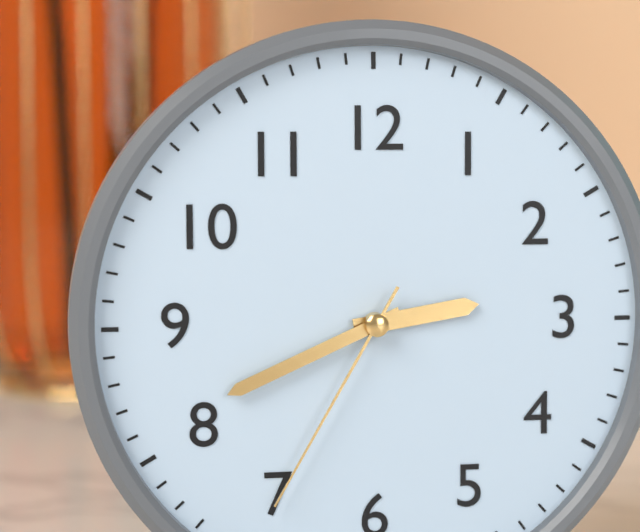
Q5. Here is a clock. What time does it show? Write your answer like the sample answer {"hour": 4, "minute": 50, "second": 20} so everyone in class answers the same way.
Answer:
{"hour": 2, "minute": 41, "second": 35}
